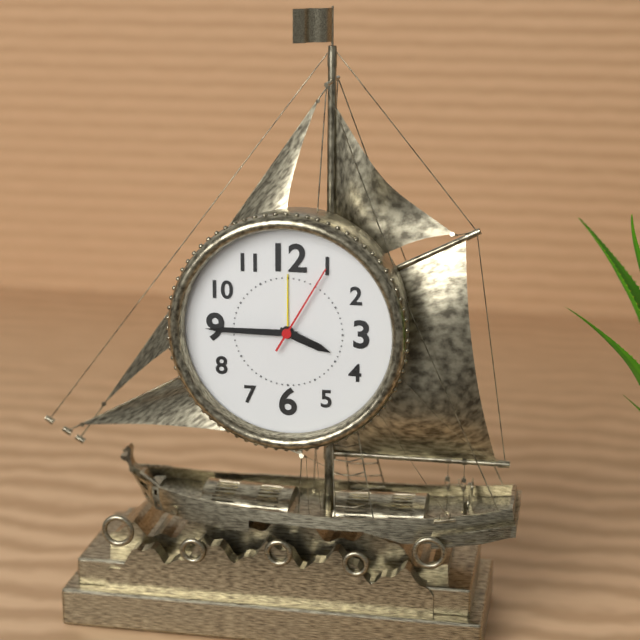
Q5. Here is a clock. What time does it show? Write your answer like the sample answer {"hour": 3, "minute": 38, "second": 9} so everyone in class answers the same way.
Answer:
{"hour": 3, "minute": 45, "second": 5}
